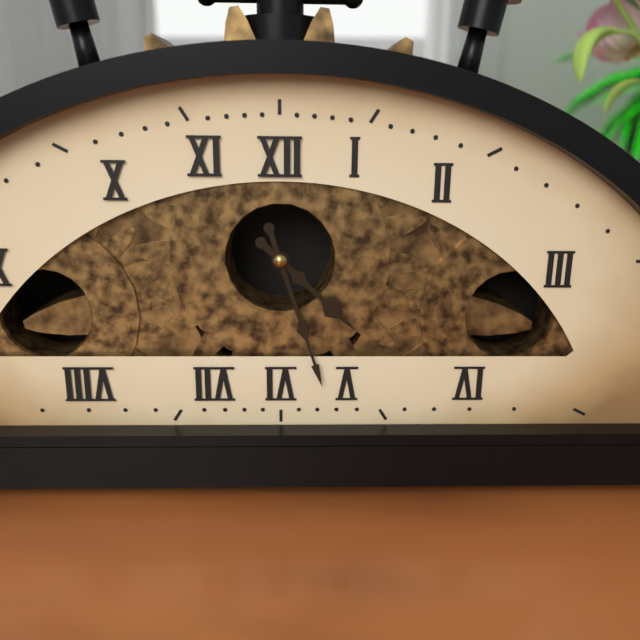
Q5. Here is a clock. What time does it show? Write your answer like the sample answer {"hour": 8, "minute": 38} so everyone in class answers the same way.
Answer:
{"hour": 4, "minute": 27}
